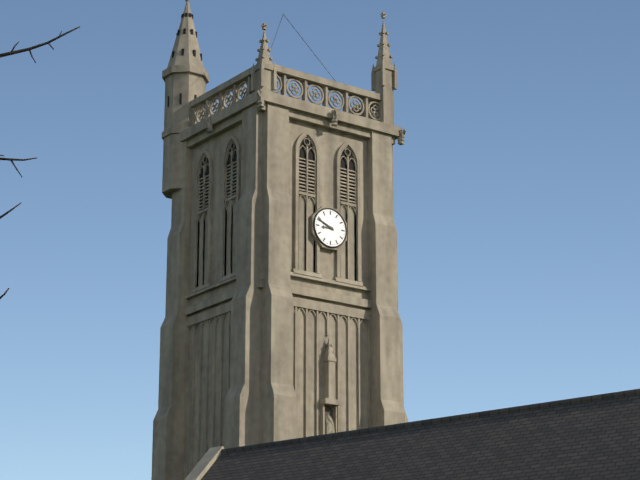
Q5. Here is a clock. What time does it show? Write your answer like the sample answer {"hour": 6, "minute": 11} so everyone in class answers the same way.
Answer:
{"hour": 8, "minute": 49}
